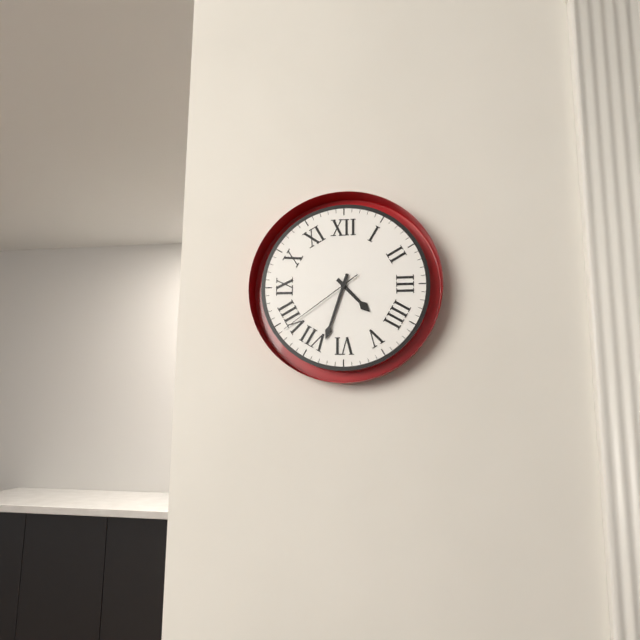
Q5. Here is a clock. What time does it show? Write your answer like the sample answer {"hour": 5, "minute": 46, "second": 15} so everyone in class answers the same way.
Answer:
{"hour": 4, "minute": 33, "second": 39}
